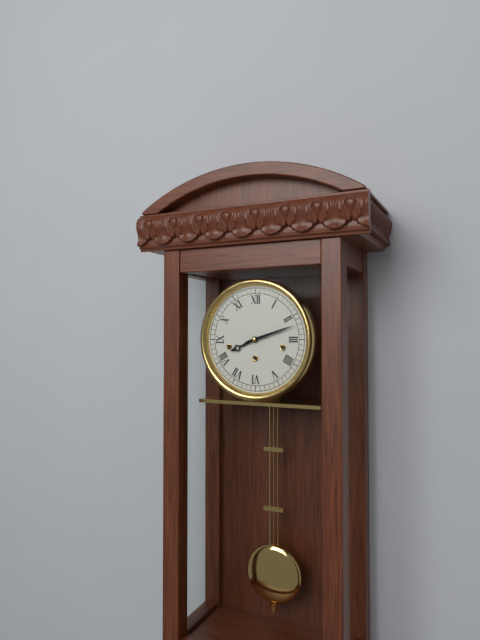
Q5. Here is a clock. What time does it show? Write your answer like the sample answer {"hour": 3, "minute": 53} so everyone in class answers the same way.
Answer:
{"hour": 8, "minute": 12}
